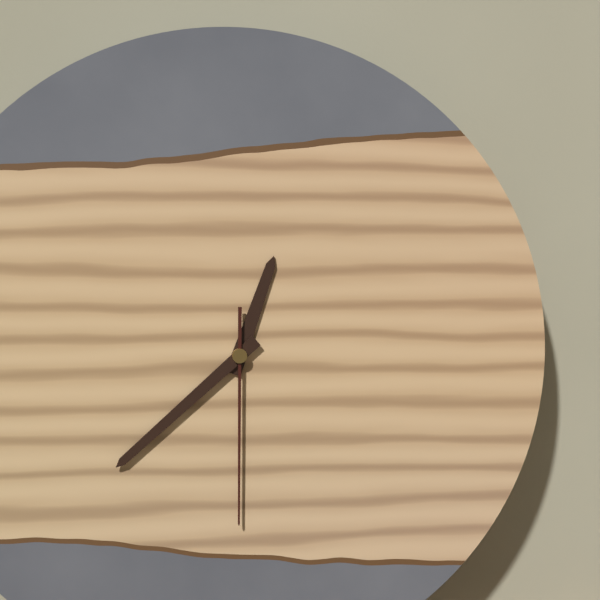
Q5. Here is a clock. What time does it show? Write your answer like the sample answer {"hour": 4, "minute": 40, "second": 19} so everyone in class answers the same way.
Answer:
{"hour": 12, "minute": 38, "second": 30}
